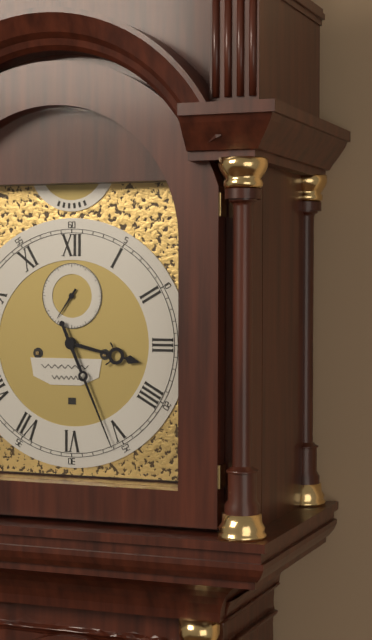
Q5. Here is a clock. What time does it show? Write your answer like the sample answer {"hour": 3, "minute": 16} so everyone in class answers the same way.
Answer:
{"hour": 3, "minute": 26}
